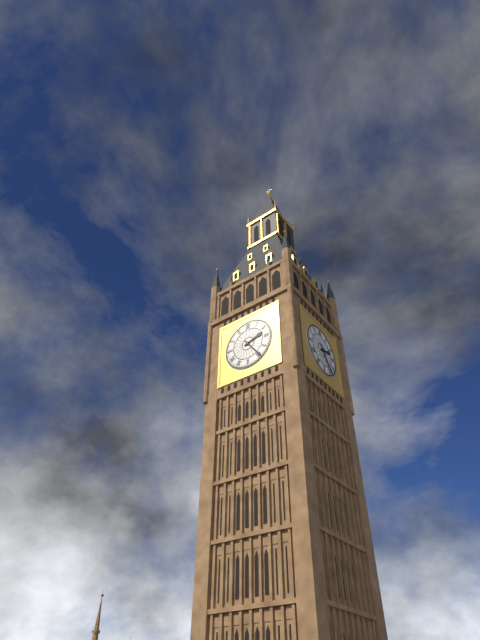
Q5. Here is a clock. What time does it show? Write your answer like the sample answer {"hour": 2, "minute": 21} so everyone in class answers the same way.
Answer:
{"hour": 2, "minute": 24}
